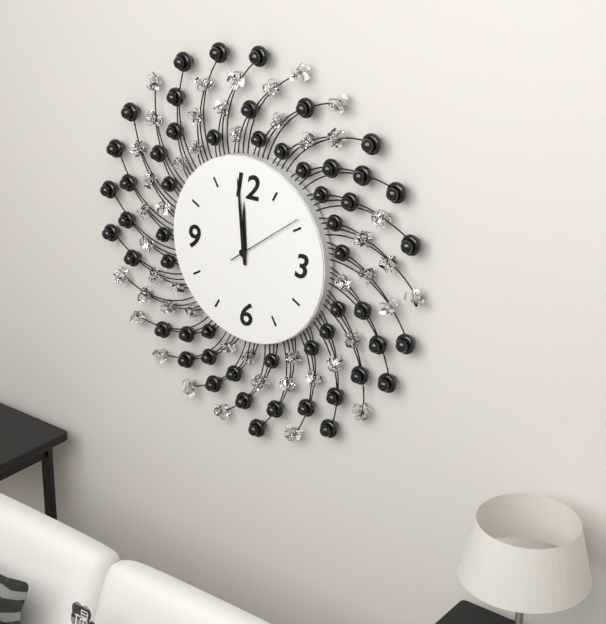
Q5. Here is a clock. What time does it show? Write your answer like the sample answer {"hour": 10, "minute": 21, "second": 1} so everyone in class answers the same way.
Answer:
{"hour": 11, "minute": 59, "second": 9}
